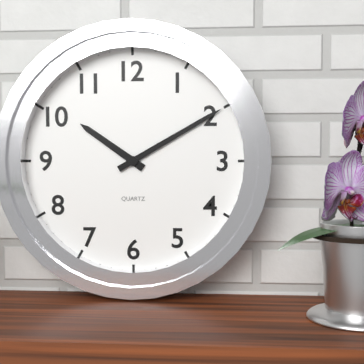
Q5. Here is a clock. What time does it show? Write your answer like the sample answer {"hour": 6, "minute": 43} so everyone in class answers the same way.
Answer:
{"hour": 10, "minute": 10}
